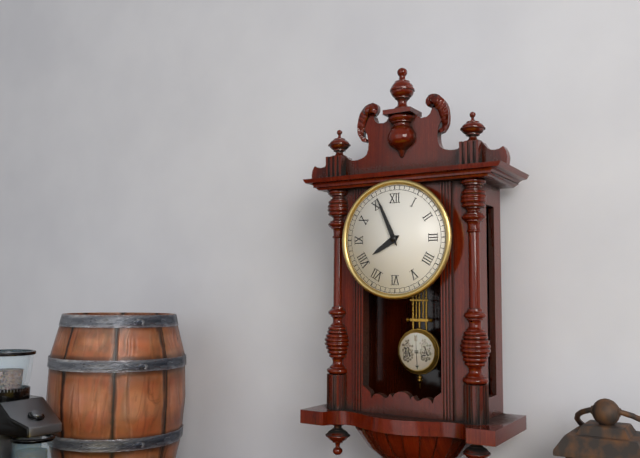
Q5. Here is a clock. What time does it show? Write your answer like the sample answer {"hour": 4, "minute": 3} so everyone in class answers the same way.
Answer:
{"hour": 7, "minute": 56}
